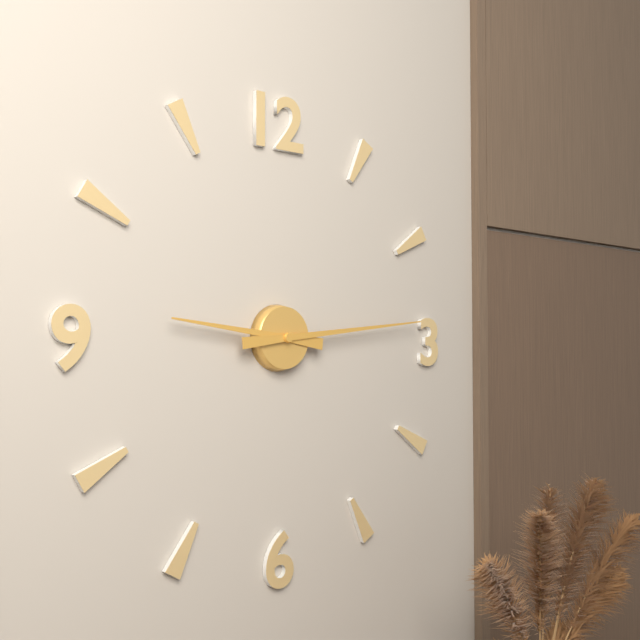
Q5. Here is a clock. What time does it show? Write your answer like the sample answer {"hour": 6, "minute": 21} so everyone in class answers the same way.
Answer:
{"hour": 9, "minute": 14}
